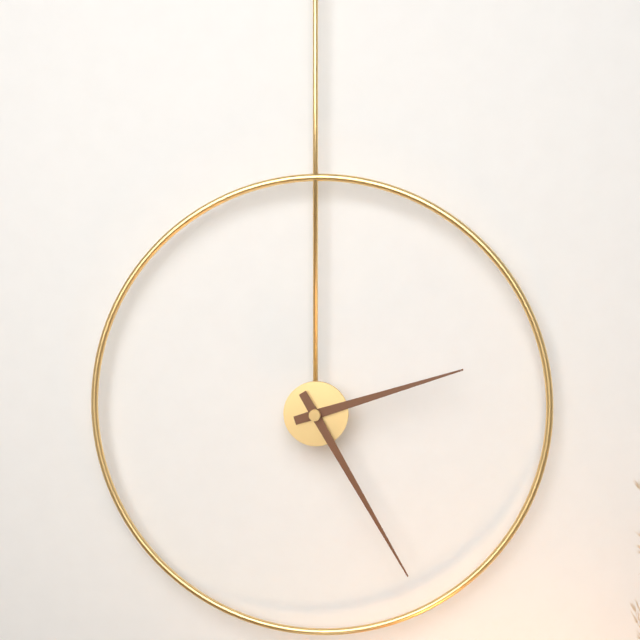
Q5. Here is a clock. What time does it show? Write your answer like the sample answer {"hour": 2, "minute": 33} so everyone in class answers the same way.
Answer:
{"hour": 2, "minute": 25}
